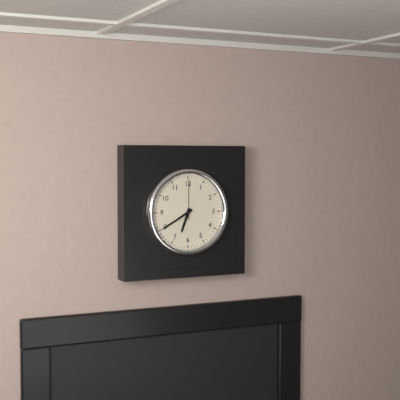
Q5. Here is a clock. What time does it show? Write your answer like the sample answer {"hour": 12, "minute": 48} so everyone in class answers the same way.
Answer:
{"hour": 6, "minute": 40}
